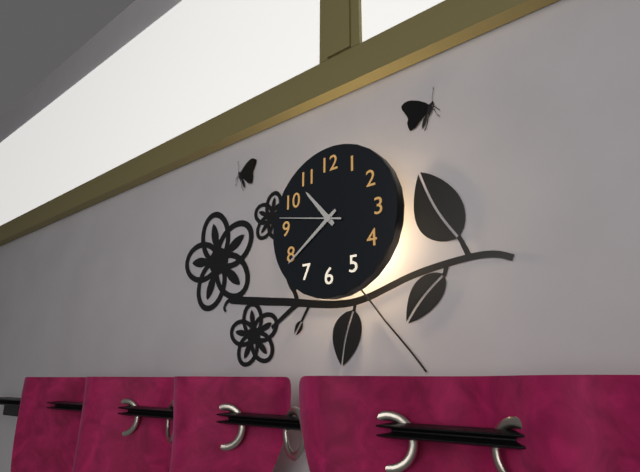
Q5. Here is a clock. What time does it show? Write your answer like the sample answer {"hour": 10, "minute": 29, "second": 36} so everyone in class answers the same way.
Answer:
{"hour": 10, "minute": 39, "second": 47}
